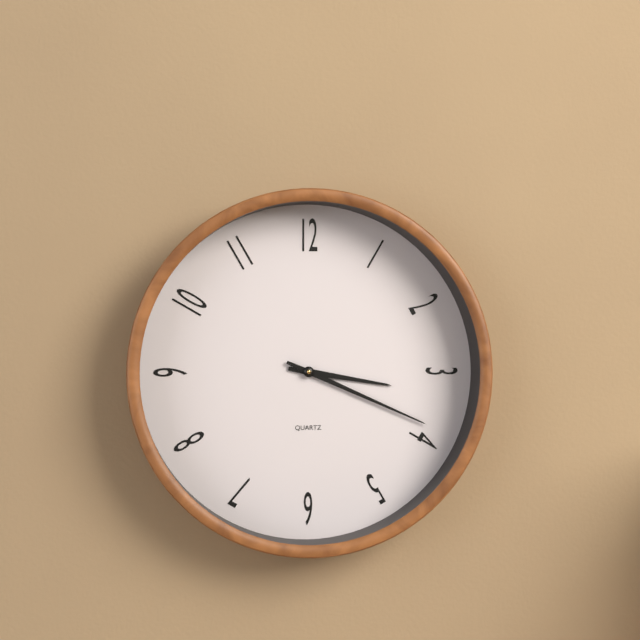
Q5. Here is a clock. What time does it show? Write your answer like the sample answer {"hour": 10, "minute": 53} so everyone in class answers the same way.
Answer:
{"hour": 3, "minute": 19}
